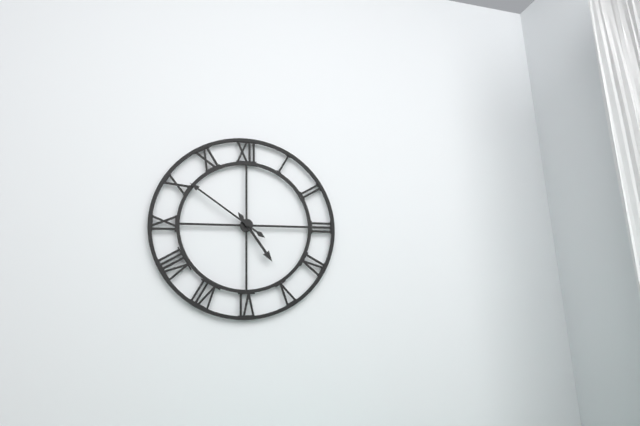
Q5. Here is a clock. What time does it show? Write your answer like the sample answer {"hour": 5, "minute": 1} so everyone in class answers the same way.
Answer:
{"hour": 4, "minute": 51}
